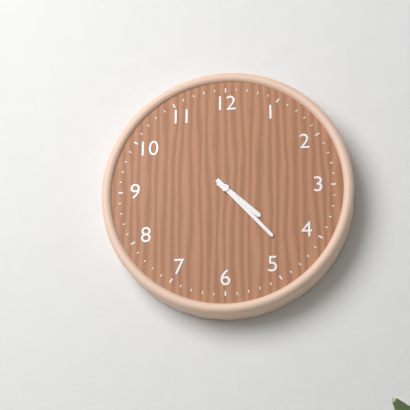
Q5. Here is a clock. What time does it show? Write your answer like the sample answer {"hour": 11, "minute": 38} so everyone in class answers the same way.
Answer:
{"hour": 4, "minute": 23}
